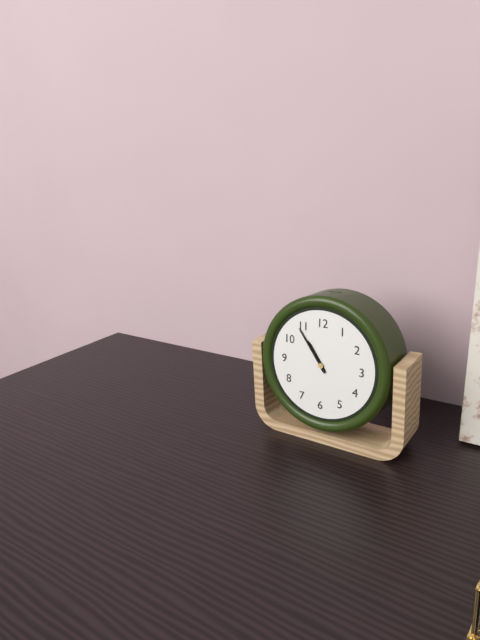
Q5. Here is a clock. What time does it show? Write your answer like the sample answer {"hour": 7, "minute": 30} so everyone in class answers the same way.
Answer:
{"hour": 10, "minute": 54}
